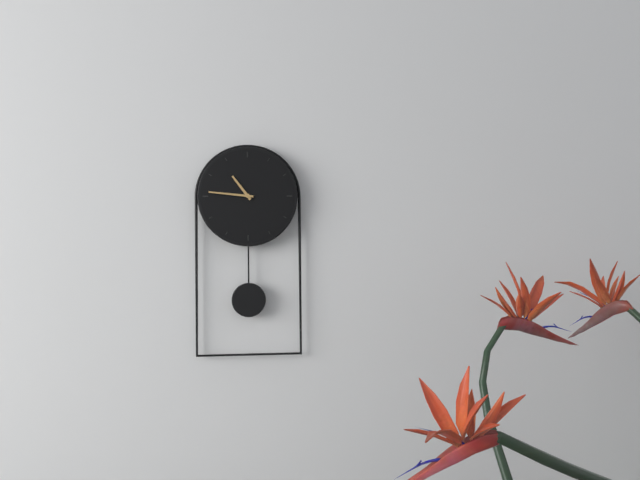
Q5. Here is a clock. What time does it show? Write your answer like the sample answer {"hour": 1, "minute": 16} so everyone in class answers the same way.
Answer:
{"hour": 10, "minute": 46}
